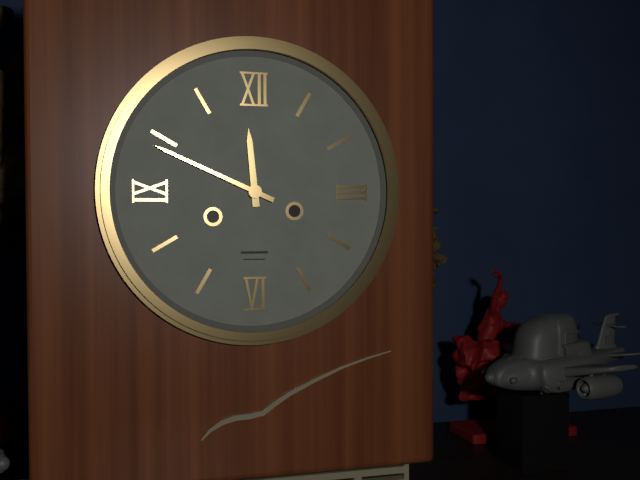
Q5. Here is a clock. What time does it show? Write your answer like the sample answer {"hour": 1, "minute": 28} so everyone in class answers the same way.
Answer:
{"hour": 11, "minute": 49}
